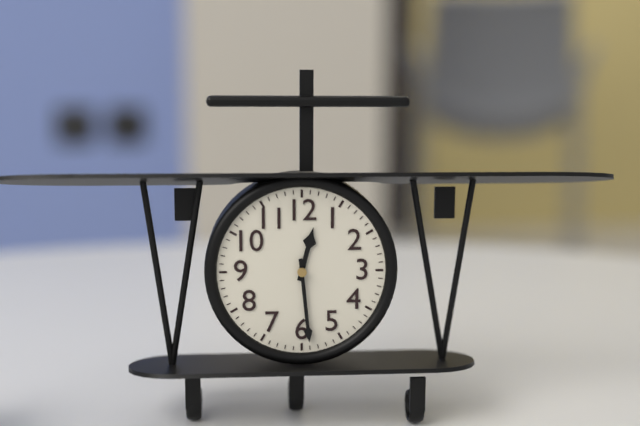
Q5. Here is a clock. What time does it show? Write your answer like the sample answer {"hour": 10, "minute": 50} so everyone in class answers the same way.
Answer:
{"hour": 12, "minute": 29}
